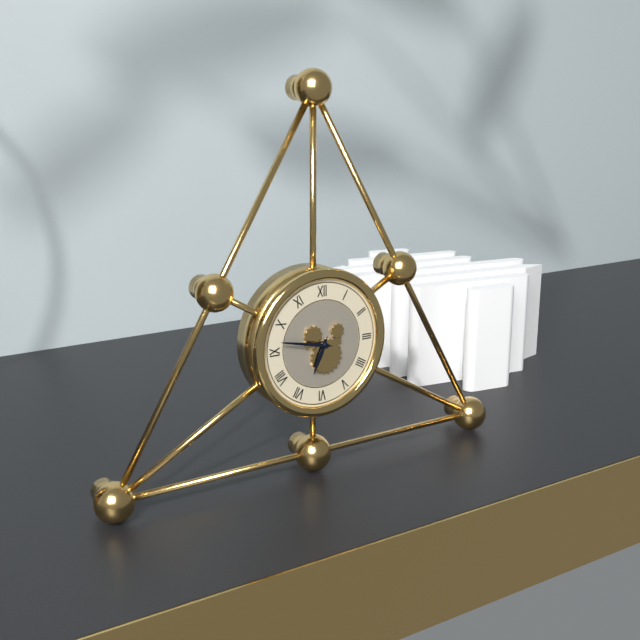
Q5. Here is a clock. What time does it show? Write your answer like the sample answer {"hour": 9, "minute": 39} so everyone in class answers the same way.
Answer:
{"hour": 6, "minute": 47}
